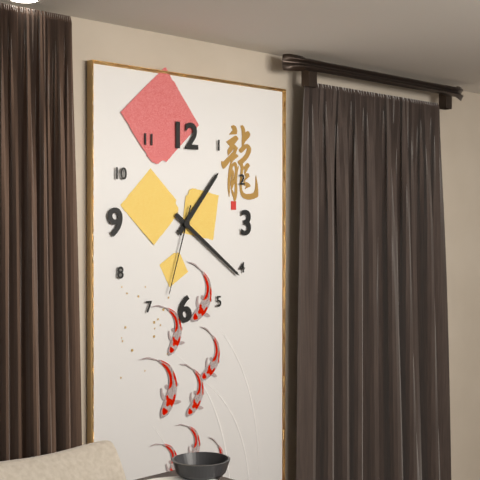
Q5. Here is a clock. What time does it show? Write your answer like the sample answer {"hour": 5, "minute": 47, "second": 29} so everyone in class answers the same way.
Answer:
{"hour": 1, "minute": 21, "second": 33}
